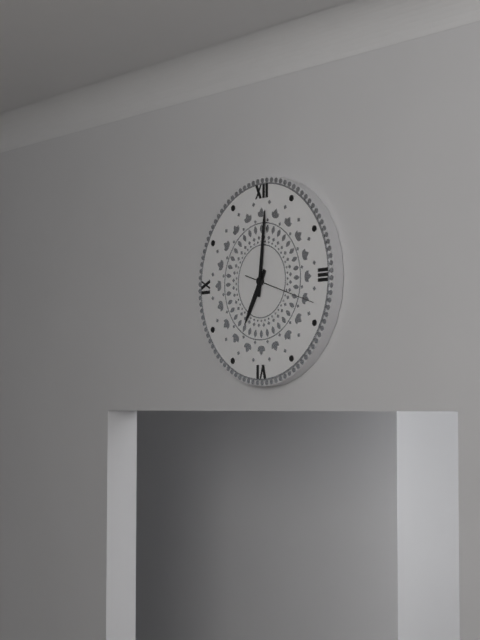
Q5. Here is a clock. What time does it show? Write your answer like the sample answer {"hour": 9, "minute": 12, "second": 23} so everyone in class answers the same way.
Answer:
{"hour": 7, "minute": 1, "second": 18}
